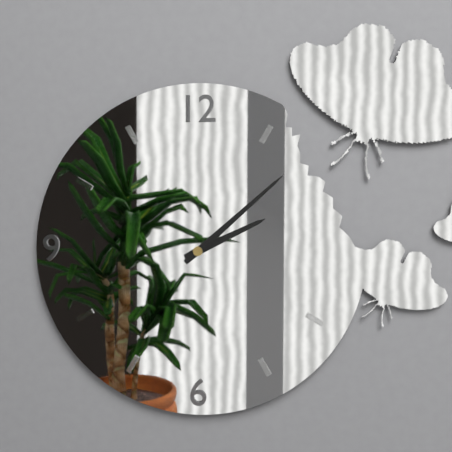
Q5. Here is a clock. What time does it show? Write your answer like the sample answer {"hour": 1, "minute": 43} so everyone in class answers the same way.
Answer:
{"hour": 2, "minute": 8}
